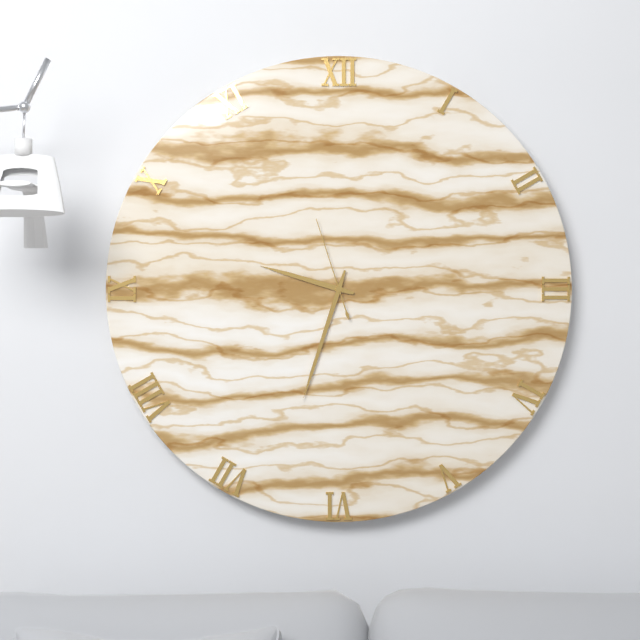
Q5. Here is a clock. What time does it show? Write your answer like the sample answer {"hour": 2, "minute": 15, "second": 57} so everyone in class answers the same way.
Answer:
{"hour": 9, "minute": 33, "second": 57}
